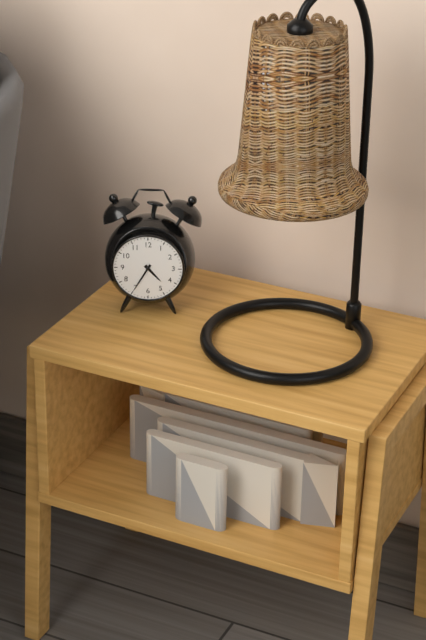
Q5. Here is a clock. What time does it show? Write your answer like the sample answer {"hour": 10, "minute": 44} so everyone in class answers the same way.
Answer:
{"hour": 4, "minute": 35}
